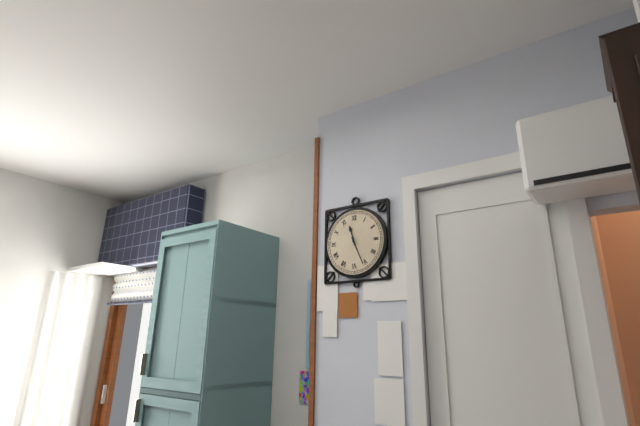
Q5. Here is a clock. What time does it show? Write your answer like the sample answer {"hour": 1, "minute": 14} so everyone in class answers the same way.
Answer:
{"hour": 11, "minute": 26}
